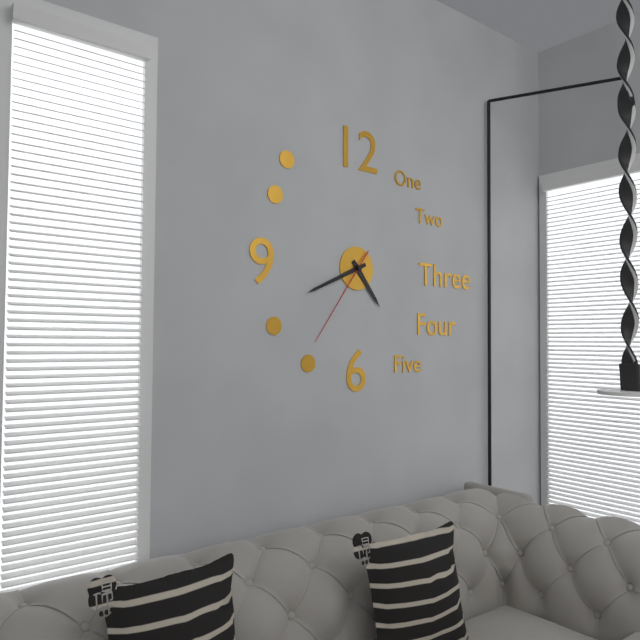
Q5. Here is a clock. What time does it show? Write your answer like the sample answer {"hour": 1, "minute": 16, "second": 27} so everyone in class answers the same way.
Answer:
{"hour": 4, "minute": 41, "second": 36}
